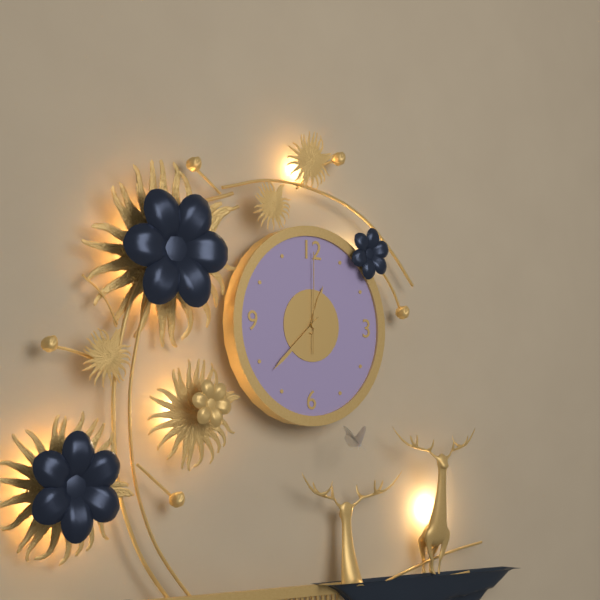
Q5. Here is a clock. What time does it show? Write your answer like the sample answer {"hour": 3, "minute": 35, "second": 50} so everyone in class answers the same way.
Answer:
{"hour": 12, "minute": 38, "second": 0}
